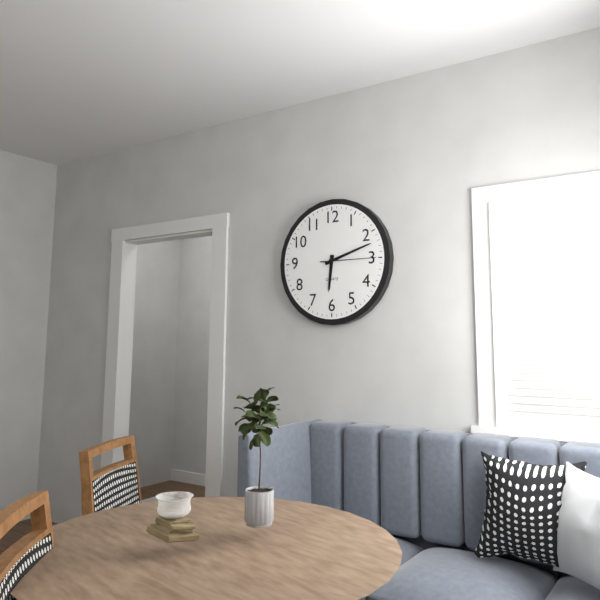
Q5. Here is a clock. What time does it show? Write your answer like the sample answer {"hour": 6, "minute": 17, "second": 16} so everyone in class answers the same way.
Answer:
{"hour": 6, "minute": 12, "second": 15}
